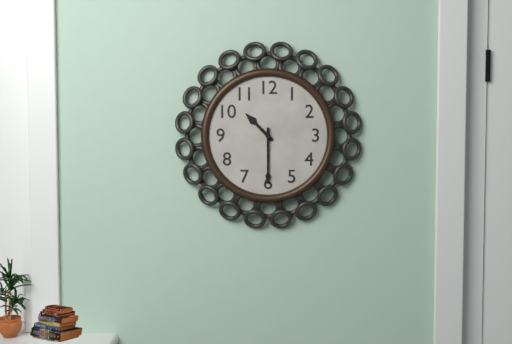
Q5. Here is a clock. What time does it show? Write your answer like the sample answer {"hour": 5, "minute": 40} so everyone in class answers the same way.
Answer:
{"hour": 10, "minute": 30}
